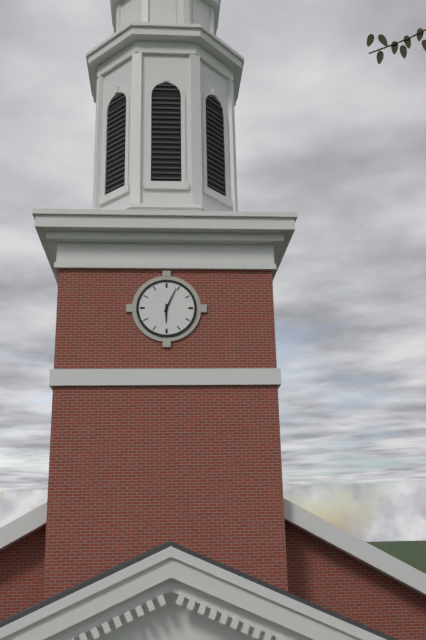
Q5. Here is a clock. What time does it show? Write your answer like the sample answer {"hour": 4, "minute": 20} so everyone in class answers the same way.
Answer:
{"hour": 6, "minute": 4}
